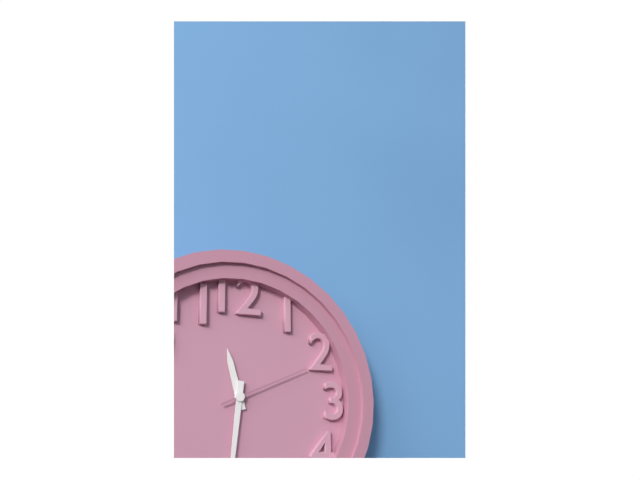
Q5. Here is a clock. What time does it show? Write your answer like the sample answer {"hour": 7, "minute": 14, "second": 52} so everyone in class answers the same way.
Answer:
{"hour": 11, "minute": 31, "second": 11}
